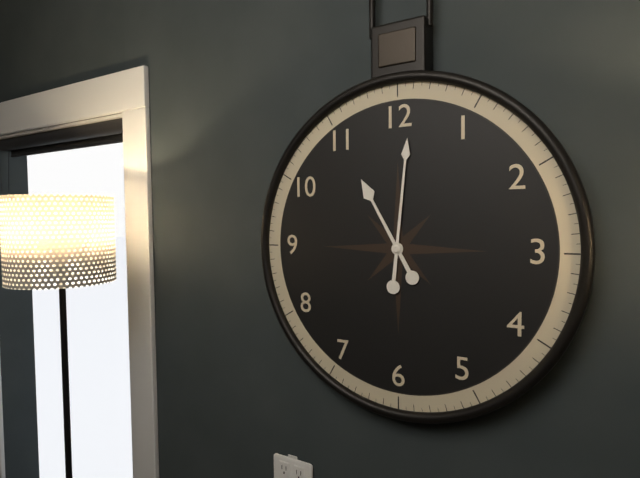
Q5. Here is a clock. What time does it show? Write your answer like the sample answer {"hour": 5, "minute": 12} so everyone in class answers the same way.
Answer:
{"hour": 11, "minute": 1}
